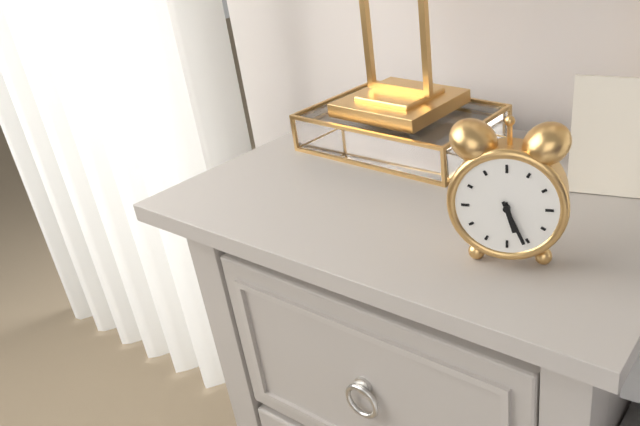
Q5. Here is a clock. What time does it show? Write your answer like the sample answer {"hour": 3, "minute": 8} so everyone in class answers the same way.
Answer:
{"hour": 5, "minute": 26}
